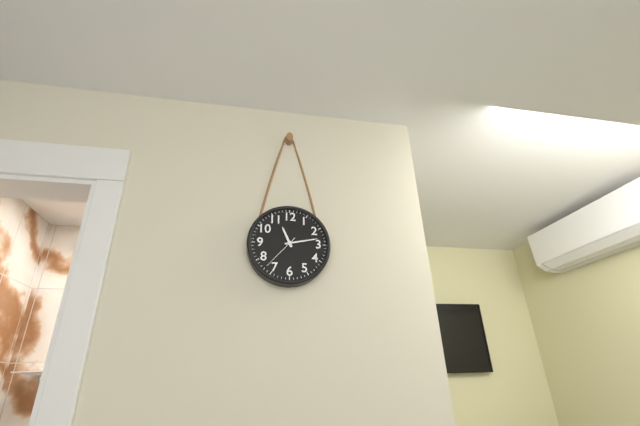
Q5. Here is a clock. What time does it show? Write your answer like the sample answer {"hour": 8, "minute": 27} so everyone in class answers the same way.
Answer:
{"hour": 11, "minute": 13}
